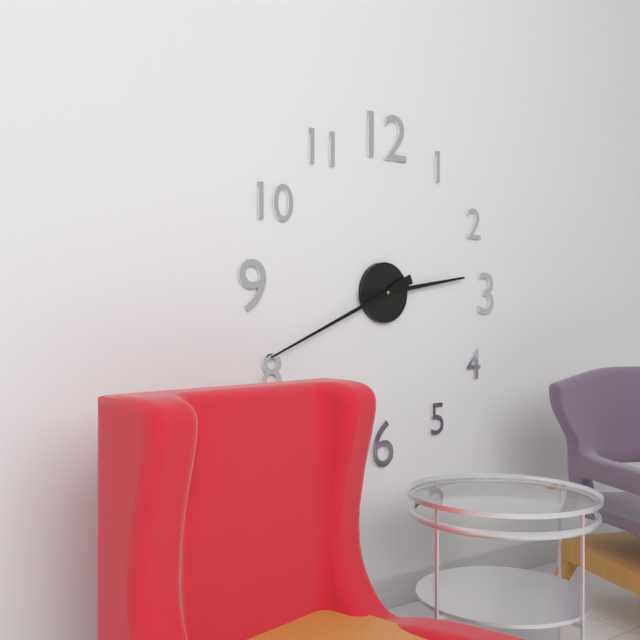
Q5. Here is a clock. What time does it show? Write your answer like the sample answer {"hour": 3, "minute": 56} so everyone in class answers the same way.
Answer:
{"hour": 2, "minute": 41}
